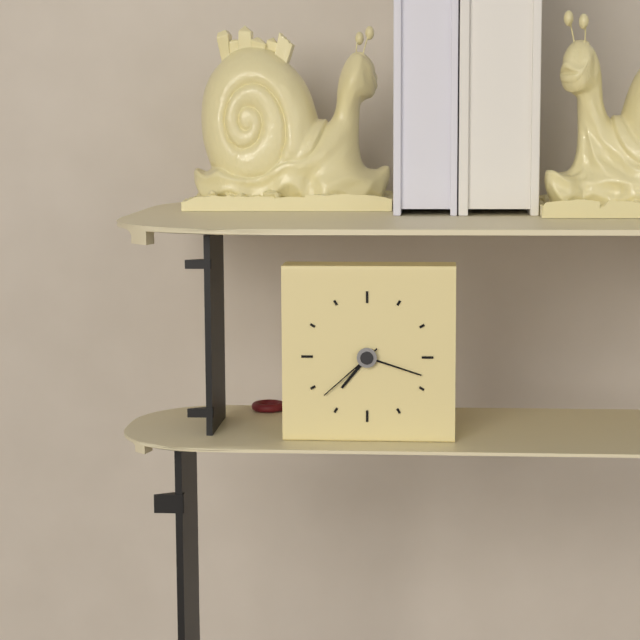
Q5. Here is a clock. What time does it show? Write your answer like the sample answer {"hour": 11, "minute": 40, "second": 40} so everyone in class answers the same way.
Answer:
{"hour": 7, "minute": 18, "second": 38}
